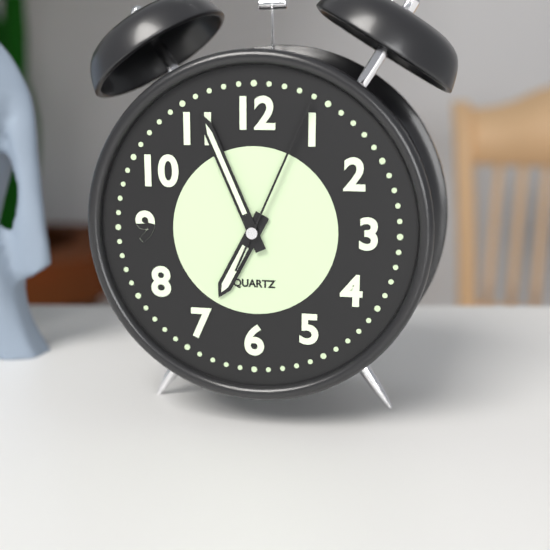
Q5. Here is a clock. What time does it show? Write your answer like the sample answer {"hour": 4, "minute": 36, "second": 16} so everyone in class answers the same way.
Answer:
{"hour": 6, "minute": 56, "second": 4}
